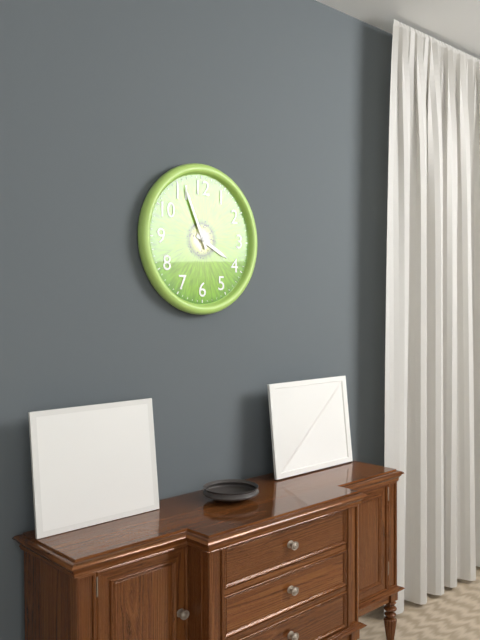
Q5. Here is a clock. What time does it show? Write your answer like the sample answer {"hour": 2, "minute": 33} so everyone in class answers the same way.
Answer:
{"hour": 3, "minute": 56}
